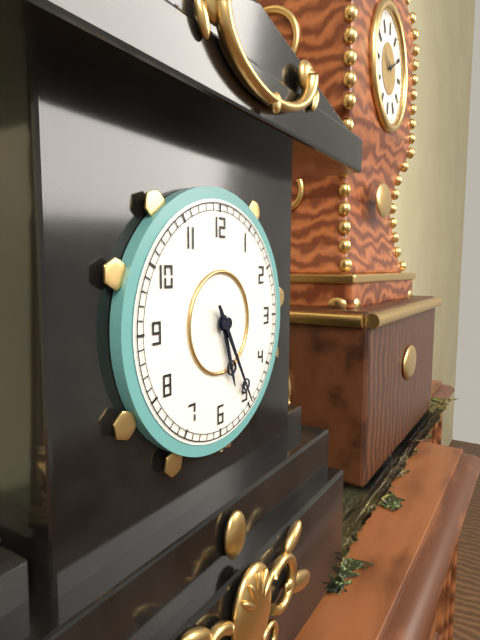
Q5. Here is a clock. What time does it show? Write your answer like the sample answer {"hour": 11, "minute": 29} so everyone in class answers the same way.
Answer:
{"hour": 5, "minute": 25}
